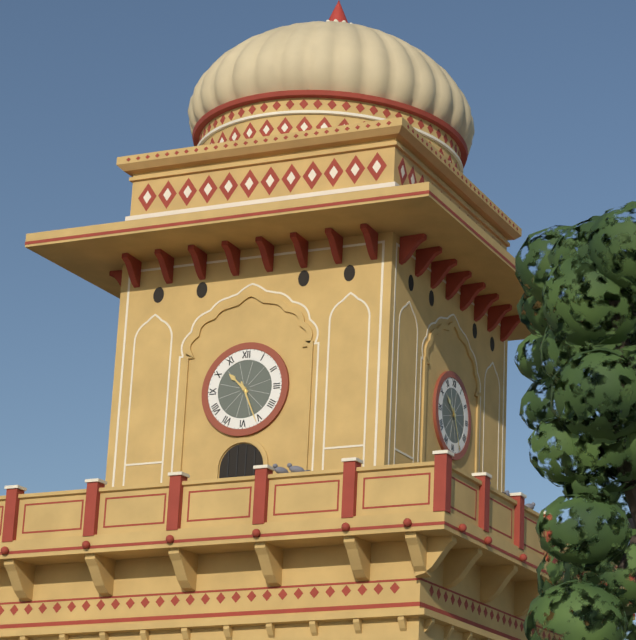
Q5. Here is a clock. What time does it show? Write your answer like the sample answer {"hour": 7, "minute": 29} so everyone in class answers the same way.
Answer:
{"hour": 10, "minute": 26}
